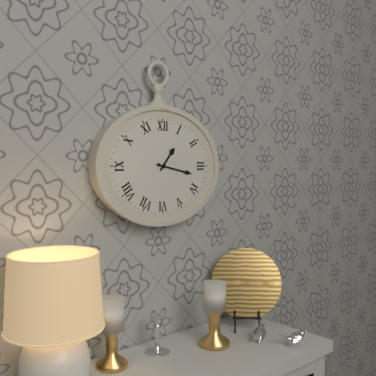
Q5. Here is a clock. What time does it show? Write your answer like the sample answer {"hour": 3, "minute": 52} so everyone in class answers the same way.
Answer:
{"hour": 1, "minute": 17}
